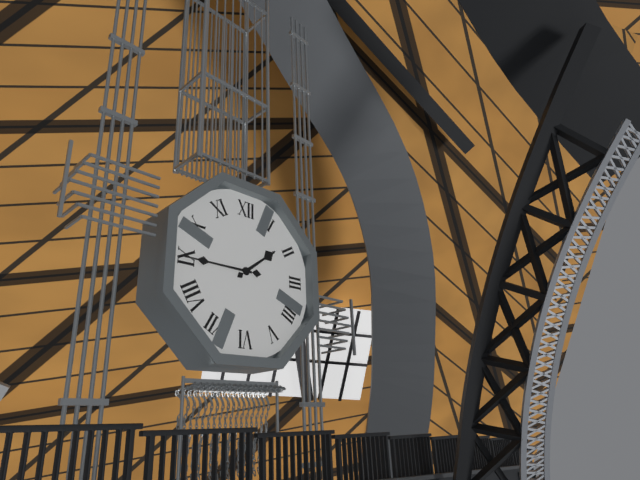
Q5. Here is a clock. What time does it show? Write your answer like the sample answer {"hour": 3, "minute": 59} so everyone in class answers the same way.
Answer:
{"hour": 1, "minute": 45}
